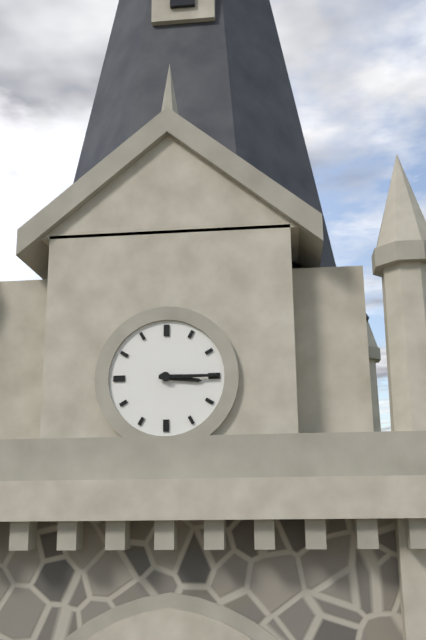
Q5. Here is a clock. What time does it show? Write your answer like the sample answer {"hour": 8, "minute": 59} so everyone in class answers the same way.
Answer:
{"hour": 3, "minute": 15}
